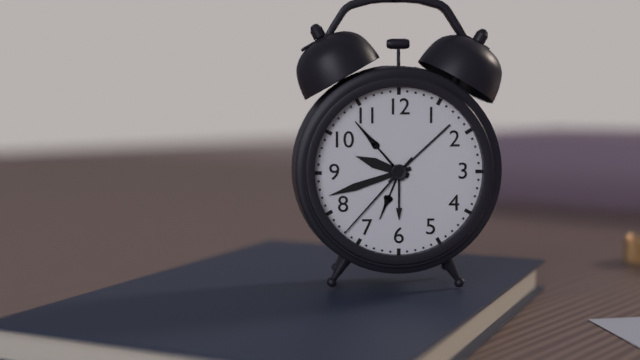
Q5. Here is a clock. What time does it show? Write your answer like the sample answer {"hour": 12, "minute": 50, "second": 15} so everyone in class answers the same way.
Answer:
{"hour": 9, "minute": 42, "second": 37}
